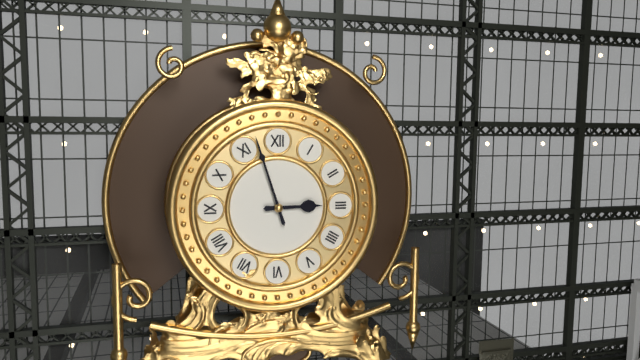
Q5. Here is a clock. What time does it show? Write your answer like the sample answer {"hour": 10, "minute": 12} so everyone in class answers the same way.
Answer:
{"hour": 2, "minute": 57}
